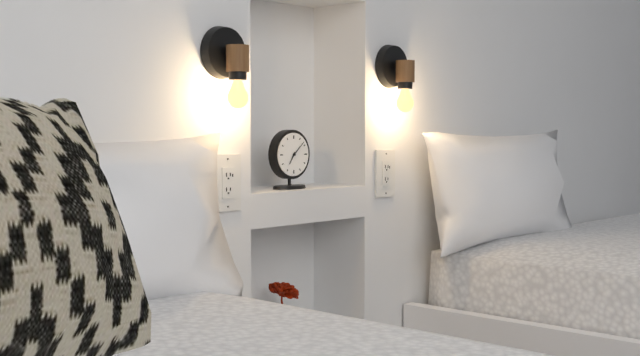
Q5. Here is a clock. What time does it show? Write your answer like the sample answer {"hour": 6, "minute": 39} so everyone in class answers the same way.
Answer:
{"hour": 7, "minute": 8}
